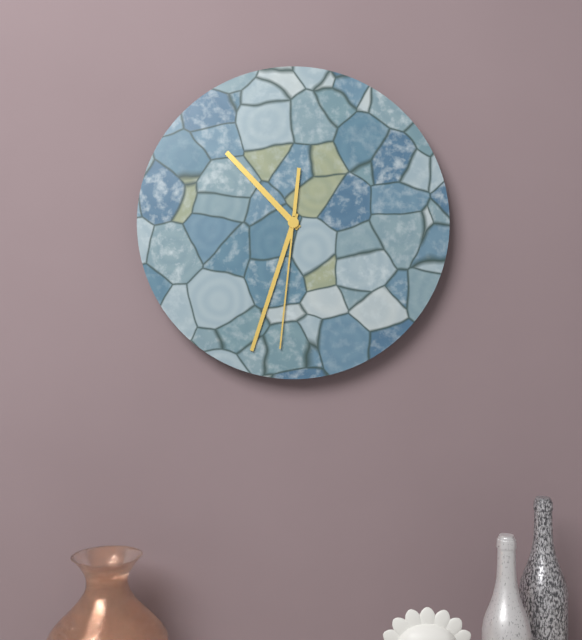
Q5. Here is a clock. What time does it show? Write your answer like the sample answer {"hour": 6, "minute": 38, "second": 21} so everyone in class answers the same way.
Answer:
{"hour": 10, "minute": 33, "second": 31}
